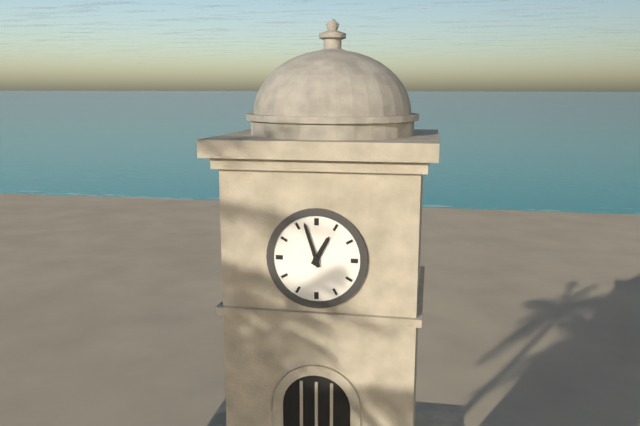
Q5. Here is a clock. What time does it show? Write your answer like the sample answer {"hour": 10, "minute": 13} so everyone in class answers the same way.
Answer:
{"hour": 12, "minute": 57}
